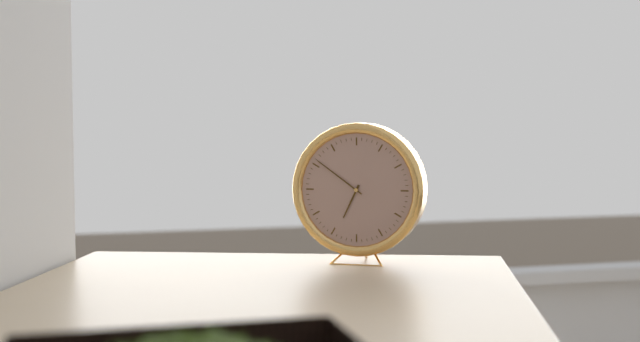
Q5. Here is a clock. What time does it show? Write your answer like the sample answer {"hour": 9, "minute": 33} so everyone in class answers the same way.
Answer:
{"hour": 6, "minute": 51}
